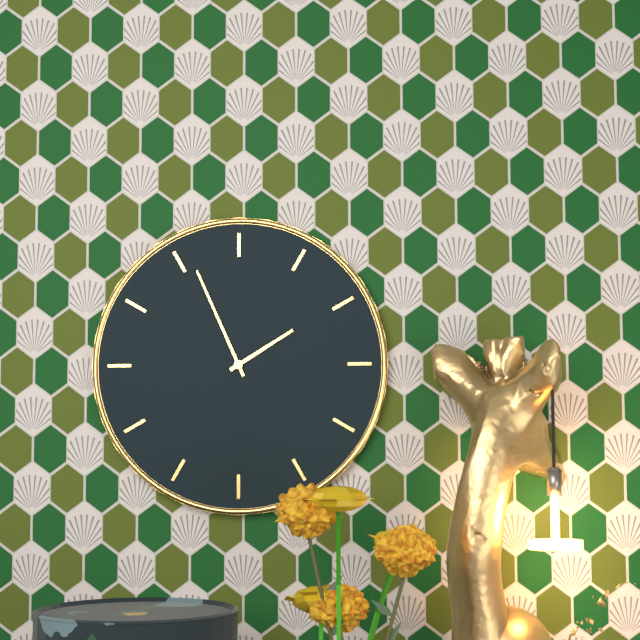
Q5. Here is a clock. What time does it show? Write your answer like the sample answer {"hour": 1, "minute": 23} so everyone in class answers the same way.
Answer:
{"hour": 1, "minute": 56}
